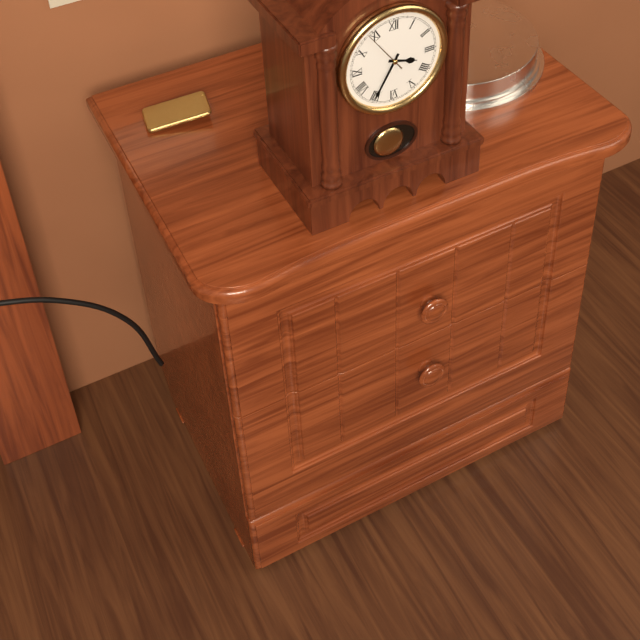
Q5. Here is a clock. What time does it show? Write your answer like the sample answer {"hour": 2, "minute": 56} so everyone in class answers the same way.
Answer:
{"hour": 3, "minute": 35}
